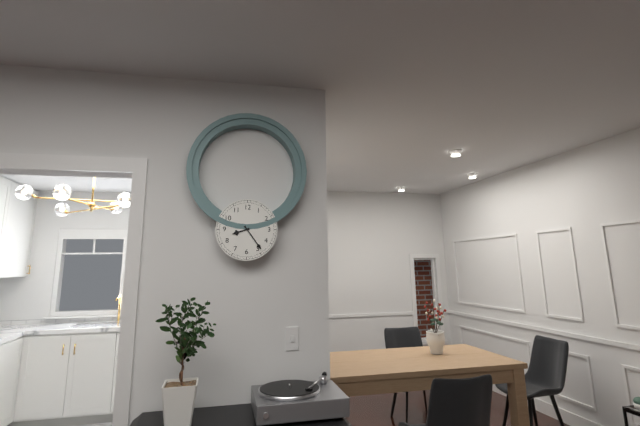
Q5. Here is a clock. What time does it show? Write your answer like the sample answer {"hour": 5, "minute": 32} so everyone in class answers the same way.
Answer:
{"hour": 8, "minute": 24}
